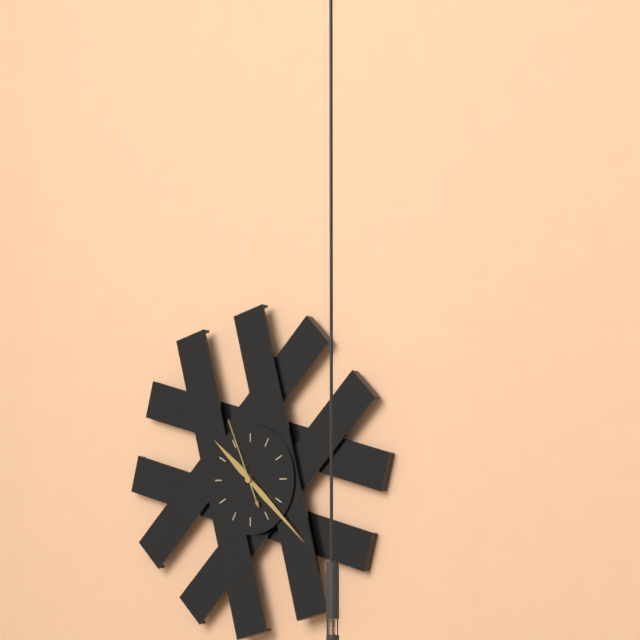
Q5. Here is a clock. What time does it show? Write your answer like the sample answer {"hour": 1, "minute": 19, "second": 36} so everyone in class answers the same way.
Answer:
{"hour": 10, "minute": 22, "second": 56}
